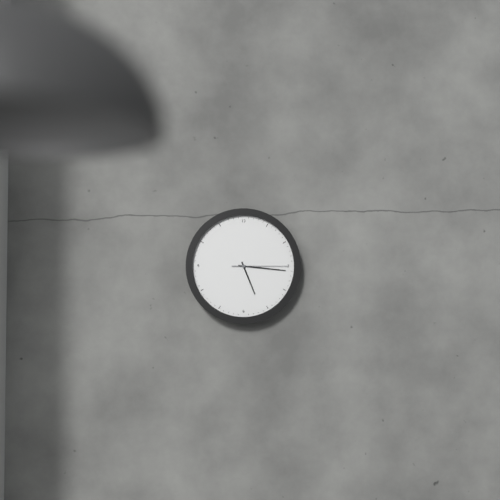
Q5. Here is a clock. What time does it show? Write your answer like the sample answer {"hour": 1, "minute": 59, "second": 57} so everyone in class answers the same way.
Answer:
{"hour": 5, "minute": 16, "second": 15}
